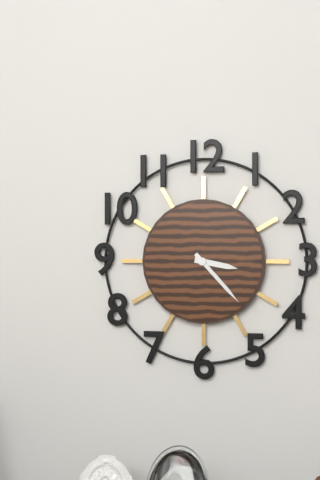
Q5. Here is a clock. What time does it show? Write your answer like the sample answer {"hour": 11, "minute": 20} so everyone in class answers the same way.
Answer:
{"hour": 3, "minute": 23}
